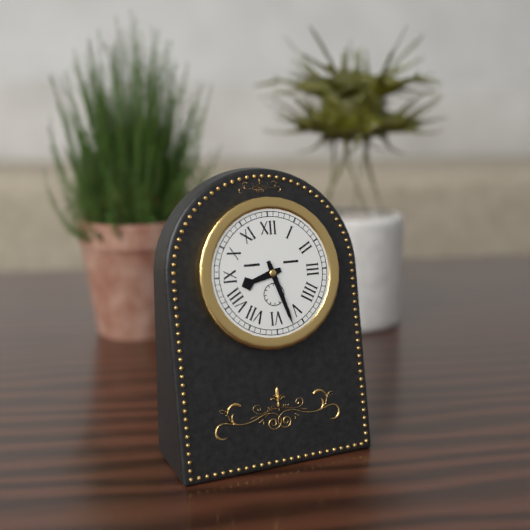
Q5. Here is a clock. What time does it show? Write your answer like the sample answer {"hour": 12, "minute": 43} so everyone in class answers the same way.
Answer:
{"hour": 8, "minute": 27}
